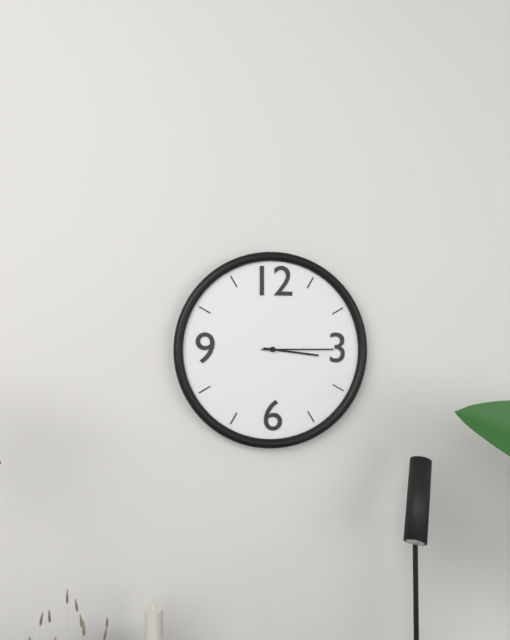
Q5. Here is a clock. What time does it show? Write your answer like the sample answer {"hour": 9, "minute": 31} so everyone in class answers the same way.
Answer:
{"hour": 3, "minute": 15}
